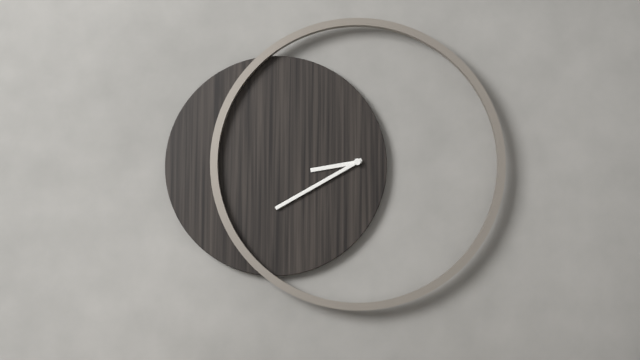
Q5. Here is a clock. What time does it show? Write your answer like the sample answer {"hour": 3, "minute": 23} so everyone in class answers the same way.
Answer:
{"hour": 8, "minute": 40}
